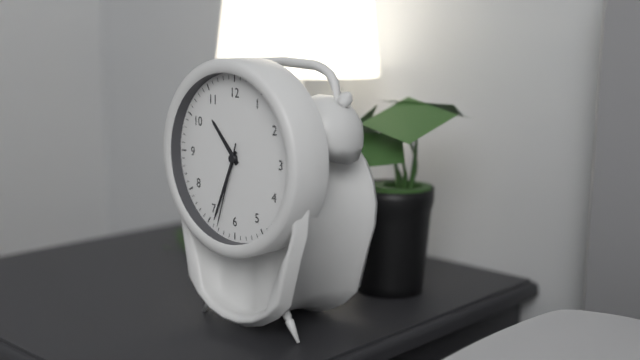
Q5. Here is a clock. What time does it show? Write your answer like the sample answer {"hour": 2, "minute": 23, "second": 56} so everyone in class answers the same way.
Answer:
{"hour": 10, "minute": 34, "second": 33}
